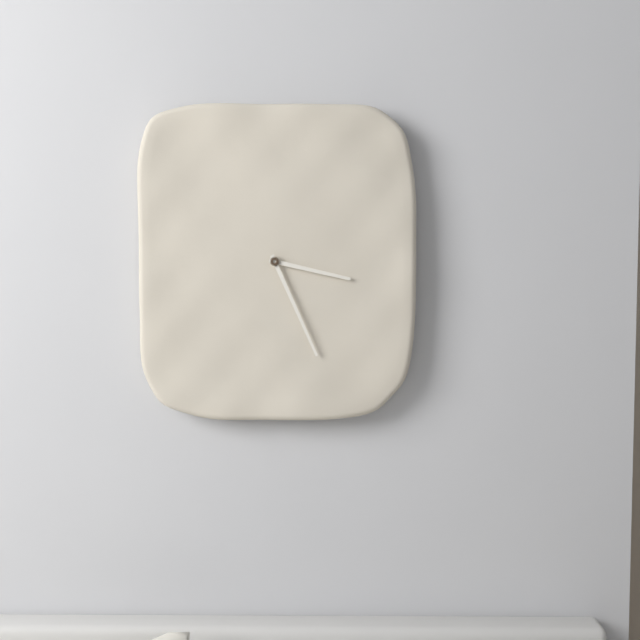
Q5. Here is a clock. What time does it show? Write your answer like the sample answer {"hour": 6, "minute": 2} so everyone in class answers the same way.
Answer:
{"hour": 3, "minute": 26}
